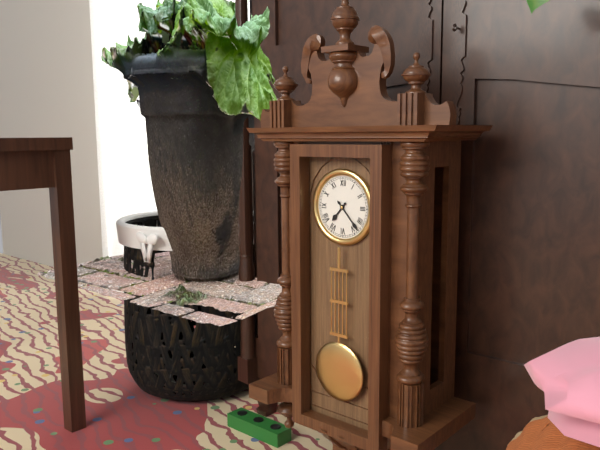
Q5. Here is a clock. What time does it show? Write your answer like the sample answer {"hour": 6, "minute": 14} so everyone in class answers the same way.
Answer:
{"hour": 7, "minute": 23}
